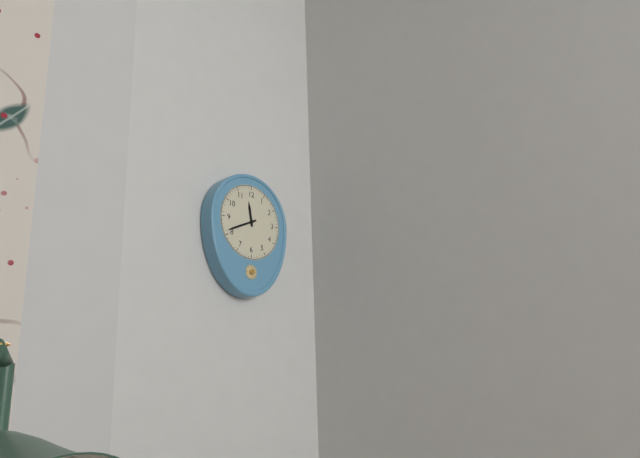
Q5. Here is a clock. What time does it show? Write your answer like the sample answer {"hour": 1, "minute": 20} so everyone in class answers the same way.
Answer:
{"hour": 11, "minute": 41}
